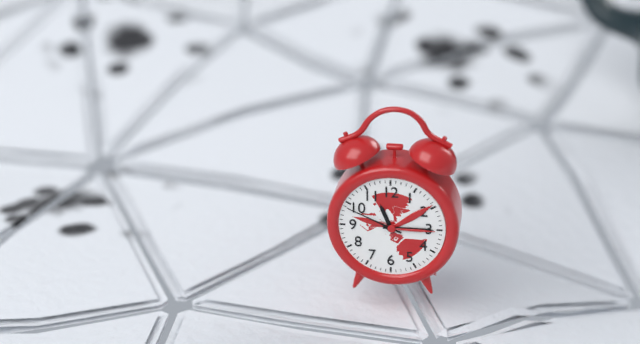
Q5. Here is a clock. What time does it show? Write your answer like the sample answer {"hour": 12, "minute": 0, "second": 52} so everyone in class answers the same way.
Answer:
{"hour": 11, "minute": 15, "second": 49}
